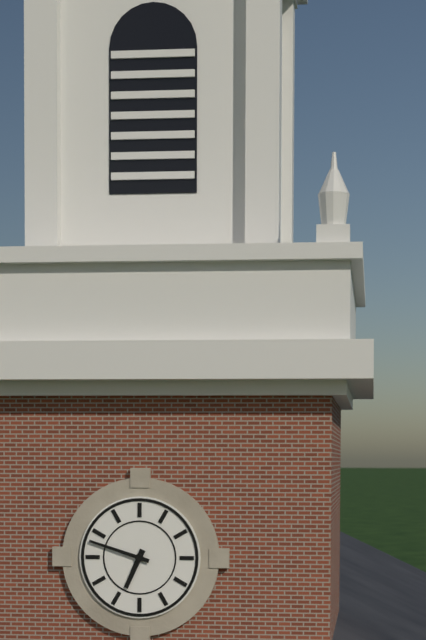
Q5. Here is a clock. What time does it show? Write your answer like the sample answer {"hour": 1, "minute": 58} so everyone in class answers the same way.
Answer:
{"hour": 6, "minute": 48}
